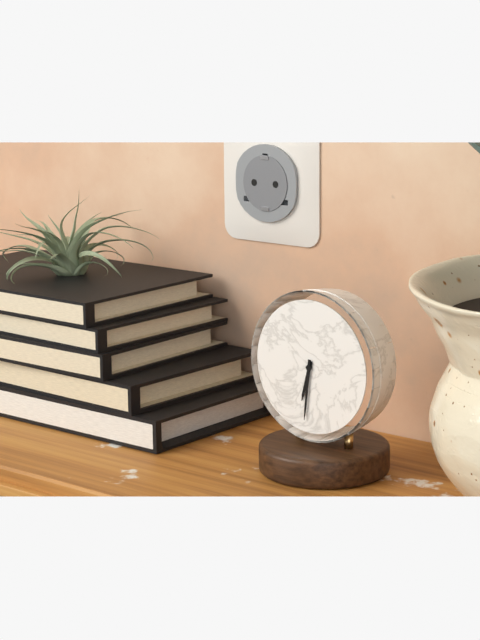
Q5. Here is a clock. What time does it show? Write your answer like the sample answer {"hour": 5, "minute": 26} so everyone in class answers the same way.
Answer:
{"hour": 6, "minute": 31}
